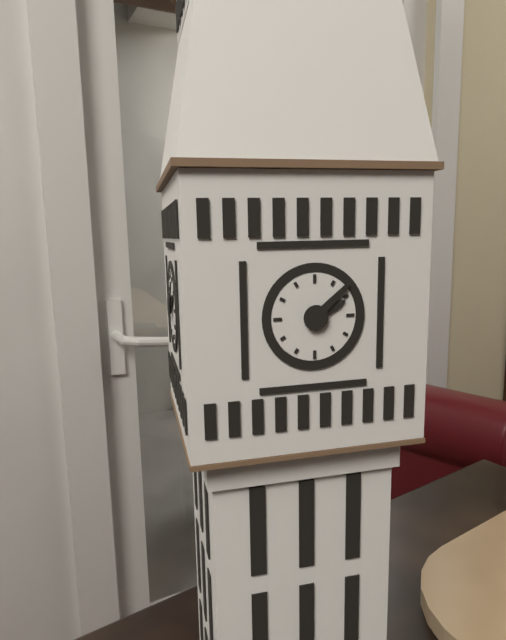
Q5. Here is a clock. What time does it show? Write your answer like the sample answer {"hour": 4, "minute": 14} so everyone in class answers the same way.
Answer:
{"hour": 2, "minute": 8}
